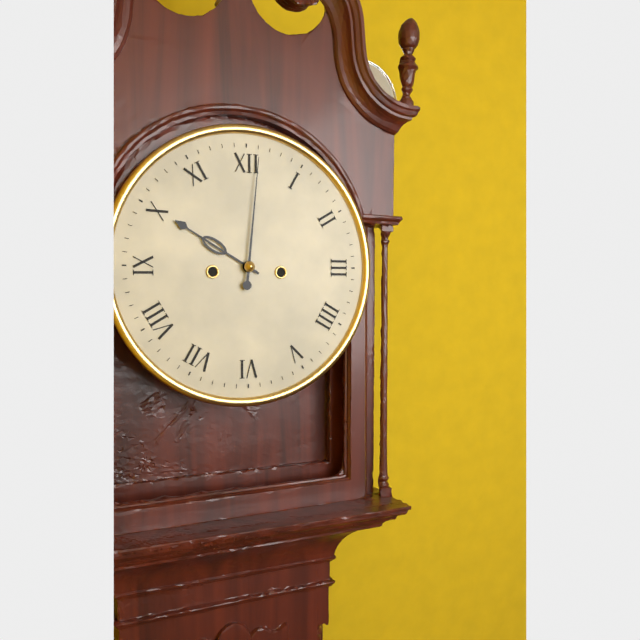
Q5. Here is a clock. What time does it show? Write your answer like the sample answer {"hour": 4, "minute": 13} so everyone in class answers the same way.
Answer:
{"hour": 10, "minute": 1}
